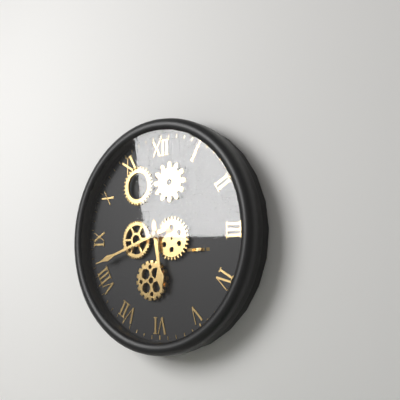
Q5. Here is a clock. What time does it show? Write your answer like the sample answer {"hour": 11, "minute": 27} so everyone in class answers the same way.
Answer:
{"hour": 5, "minute": 42}
